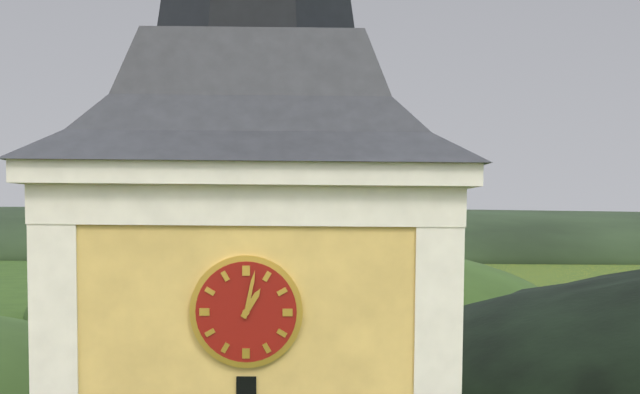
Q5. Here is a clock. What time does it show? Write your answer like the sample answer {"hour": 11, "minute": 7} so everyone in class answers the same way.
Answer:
{"hour": 1, "minute": 2}
